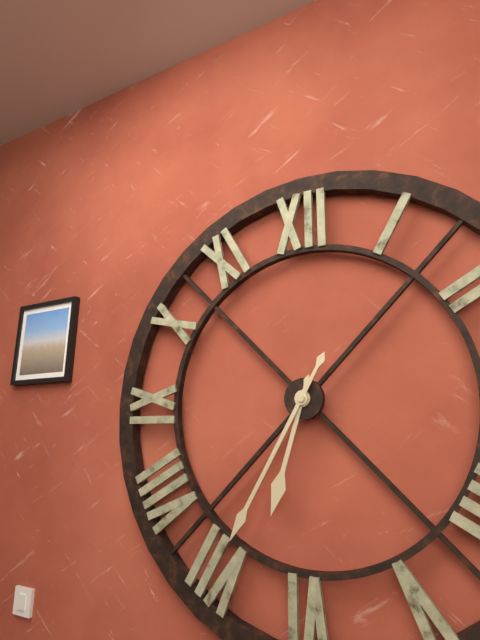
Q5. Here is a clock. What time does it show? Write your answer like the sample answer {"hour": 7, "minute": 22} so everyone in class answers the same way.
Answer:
{"hour": 6, "minute": 35}
